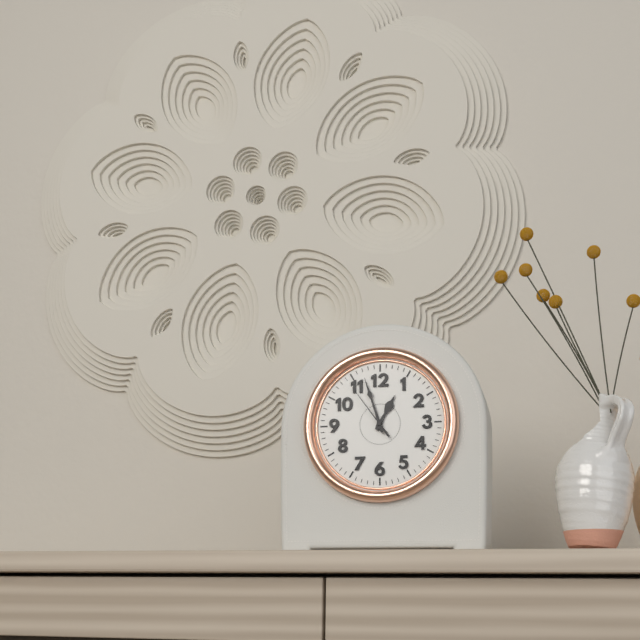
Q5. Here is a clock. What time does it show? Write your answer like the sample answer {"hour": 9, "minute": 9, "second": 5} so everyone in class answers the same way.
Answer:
{"hour": 12, "minute": 57, "second": 54}
